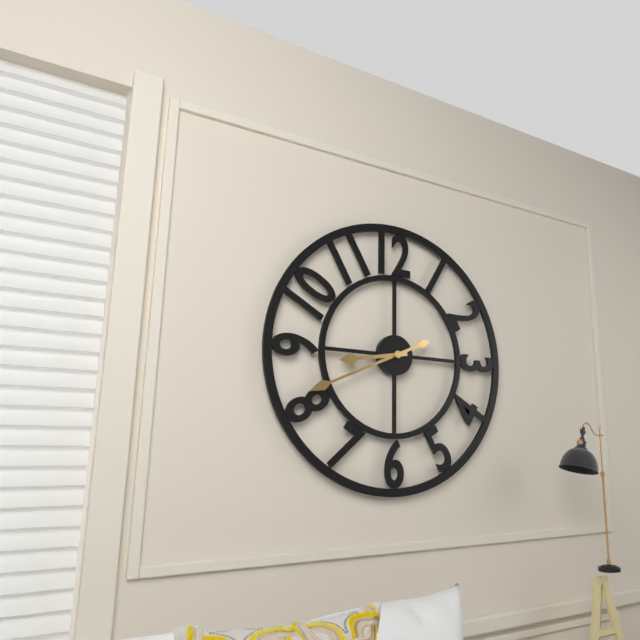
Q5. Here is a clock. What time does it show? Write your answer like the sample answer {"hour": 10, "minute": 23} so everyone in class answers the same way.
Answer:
{"hour": 8, "minute": 41}
